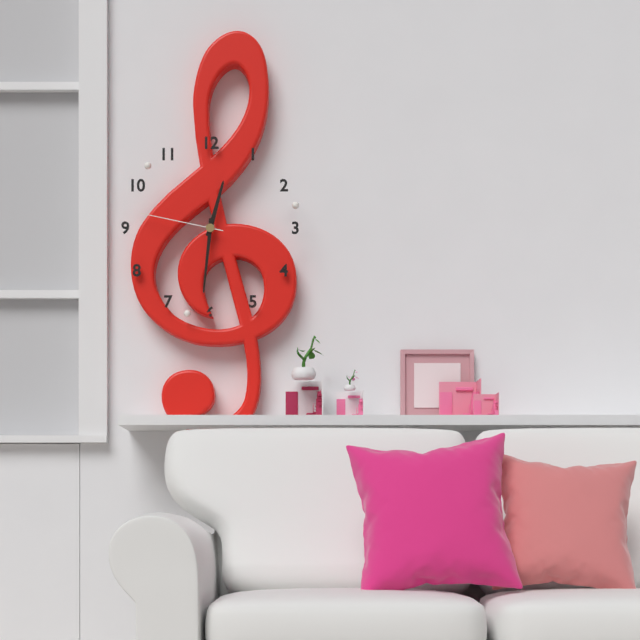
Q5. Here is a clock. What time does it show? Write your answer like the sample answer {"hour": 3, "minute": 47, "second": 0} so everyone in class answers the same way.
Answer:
{"hour": 12, "minute": 31, "second": 47}
